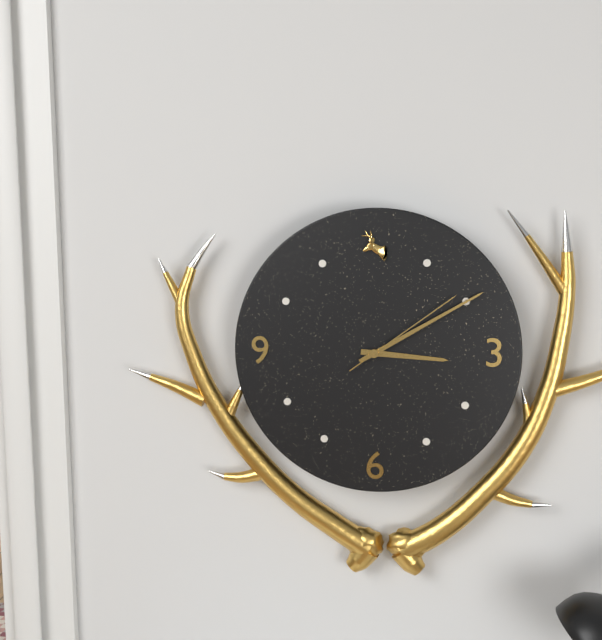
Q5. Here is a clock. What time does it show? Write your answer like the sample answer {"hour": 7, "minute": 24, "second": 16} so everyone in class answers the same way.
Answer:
{"hour": 3, "minute": 10, "second": 9}
